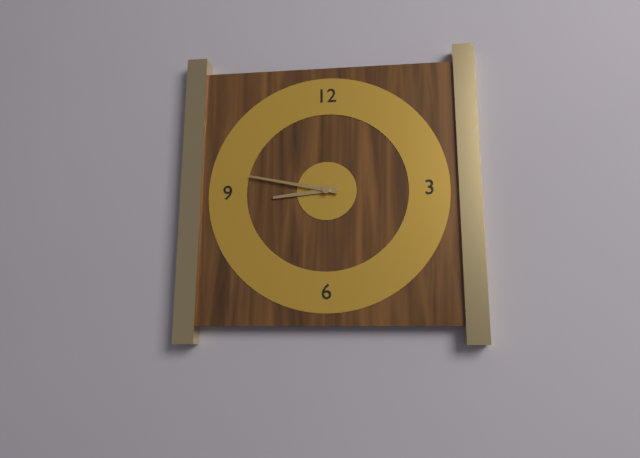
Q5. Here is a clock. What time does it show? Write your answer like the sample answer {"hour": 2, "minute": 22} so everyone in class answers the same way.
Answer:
{"hour": 8, "minute": 47}
